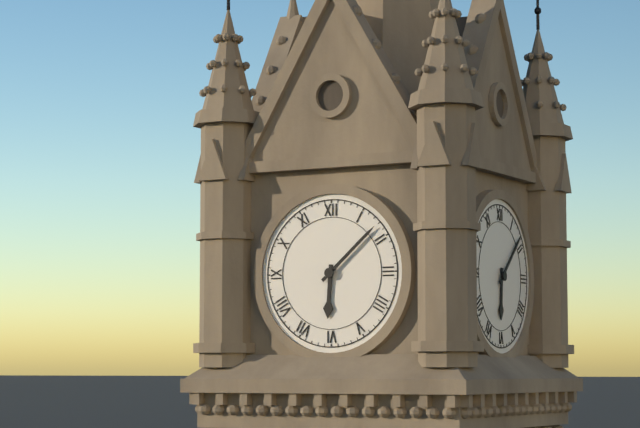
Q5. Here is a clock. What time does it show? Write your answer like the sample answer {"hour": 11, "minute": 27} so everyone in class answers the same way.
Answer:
{"hour": 6, "minute": 8}
